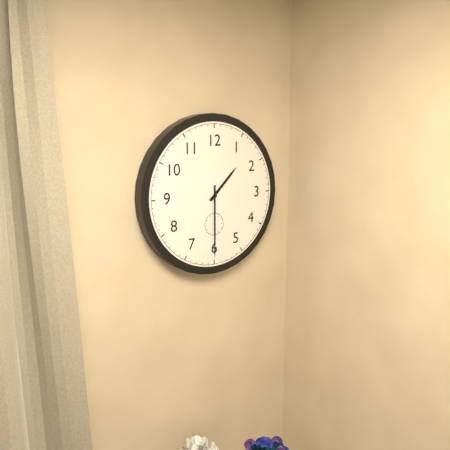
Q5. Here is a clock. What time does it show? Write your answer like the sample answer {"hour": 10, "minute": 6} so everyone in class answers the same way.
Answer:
{"hour": 1, "minute": 30}
